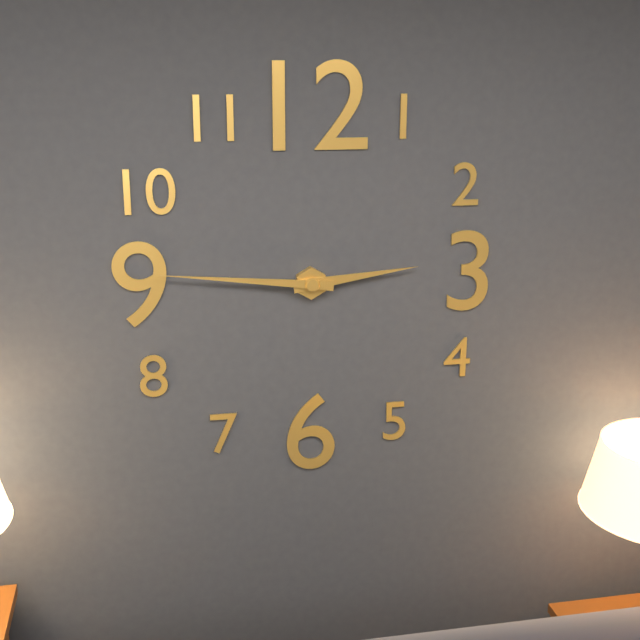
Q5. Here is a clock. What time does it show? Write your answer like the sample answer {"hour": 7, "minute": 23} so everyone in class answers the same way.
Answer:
{"hour": 2, "minute": 46}
